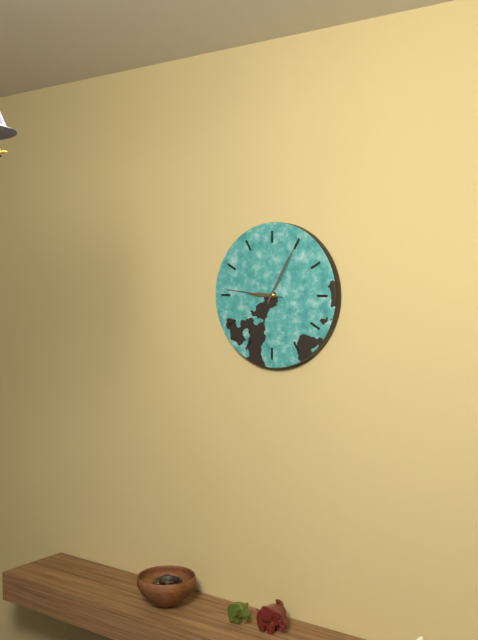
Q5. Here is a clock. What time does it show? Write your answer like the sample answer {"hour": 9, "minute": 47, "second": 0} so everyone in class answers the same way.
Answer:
{"hour": 9, "minute": 5, "second": 46}
